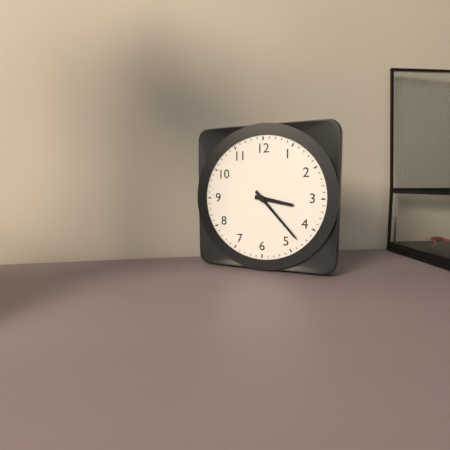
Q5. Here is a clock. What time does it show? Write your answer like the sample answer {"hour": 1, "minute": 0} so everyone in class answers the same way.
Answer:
{"hour": 3, "minute": 23}
